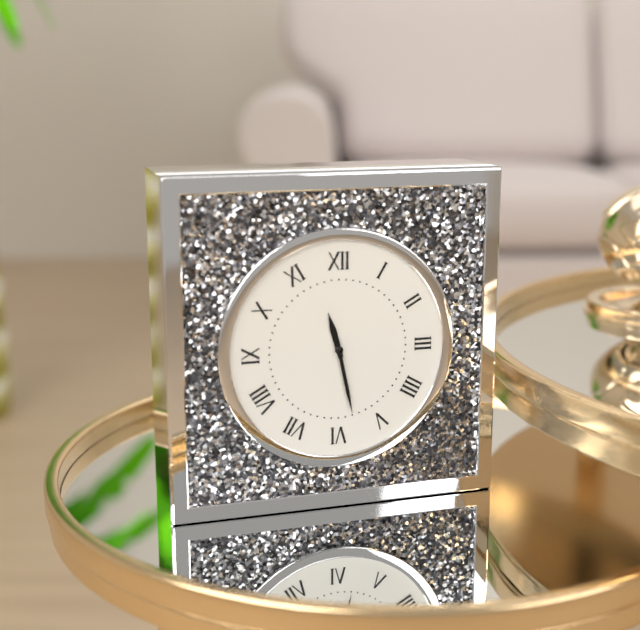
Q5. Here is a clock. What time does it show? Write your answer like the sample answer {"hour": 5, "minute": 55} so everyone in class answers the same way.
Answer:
{"hour": 11, "minute": 28}
